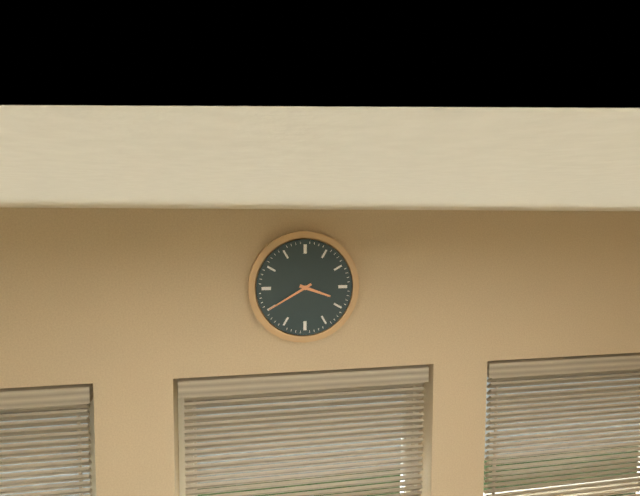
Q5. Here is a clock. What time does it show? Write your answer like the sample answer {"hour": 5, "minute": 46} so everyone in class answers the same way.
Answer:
{"hour": 3, "minute": 40}
